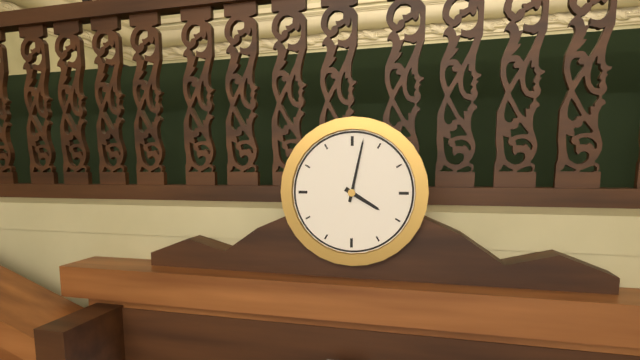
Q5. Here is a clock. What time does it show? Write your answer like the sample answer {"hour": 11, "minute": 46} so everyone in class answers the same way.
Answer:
{"hour": 4, "minute": 2}
